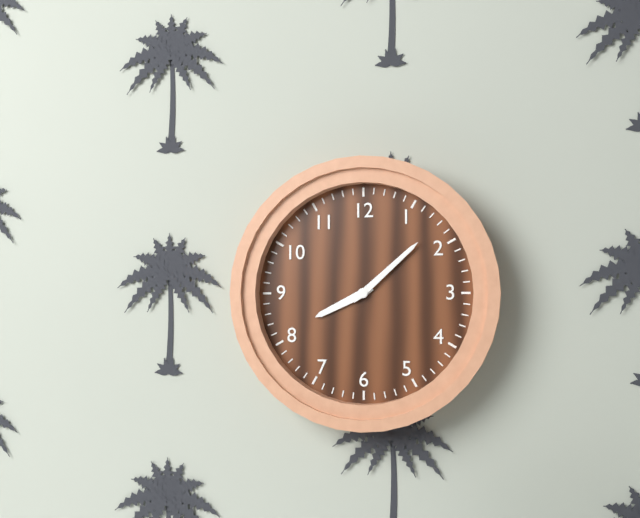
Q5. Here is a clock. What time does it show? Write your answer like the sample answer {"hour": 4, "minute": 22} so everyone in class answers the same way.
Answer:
{"hour": 8, "minute": 8}
